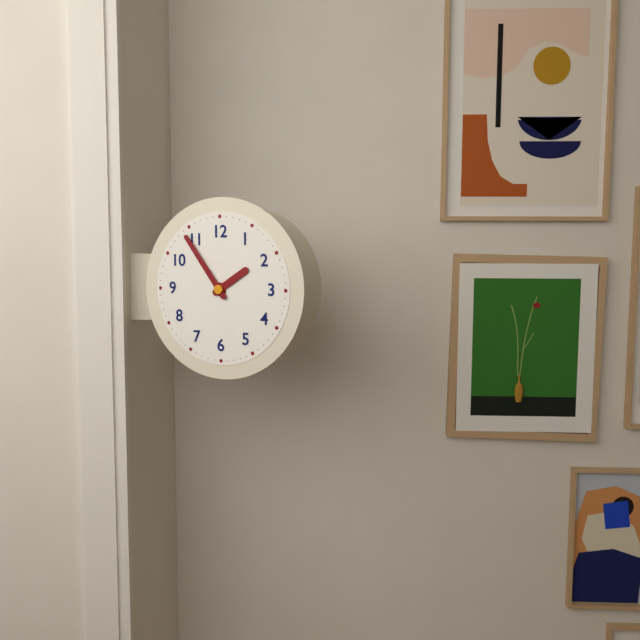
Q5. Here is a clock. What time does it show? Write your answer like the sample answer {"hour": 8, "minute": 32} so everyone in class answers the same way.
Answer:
{"hour": 1, "minute": 54}
